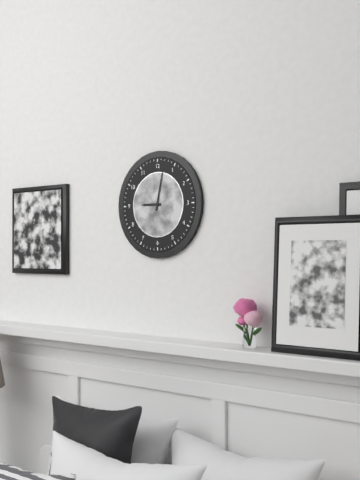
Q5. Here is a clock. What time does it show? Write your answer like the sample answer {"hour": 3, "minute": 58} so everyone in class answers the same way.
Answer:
{"hour": 9, "minute": 2}
